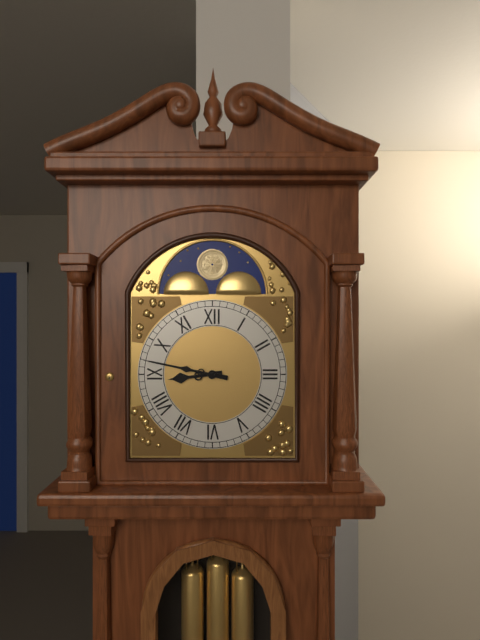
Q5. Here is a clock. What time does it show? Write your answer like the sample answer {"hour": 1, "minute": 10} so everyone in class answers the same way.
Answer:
{"hour": 8, "minute": 47}
